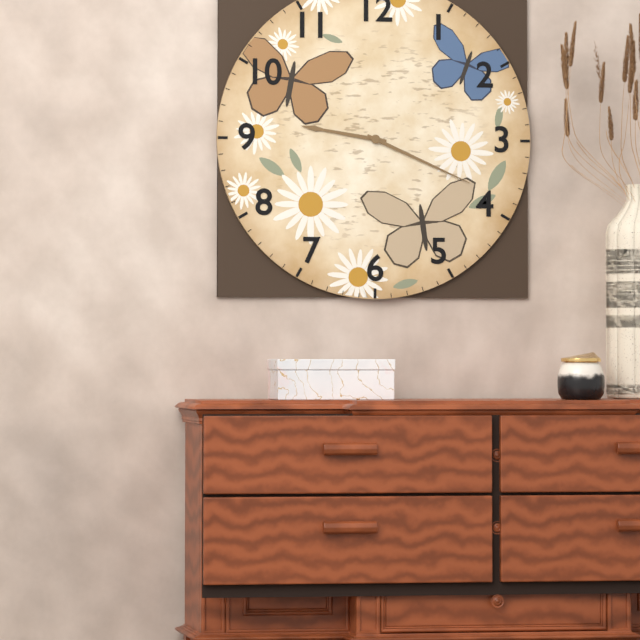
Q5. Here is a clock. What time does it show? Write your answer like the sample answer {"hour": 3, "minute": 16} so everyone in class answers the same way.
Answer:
{"hour": 9, "minute": 19}
